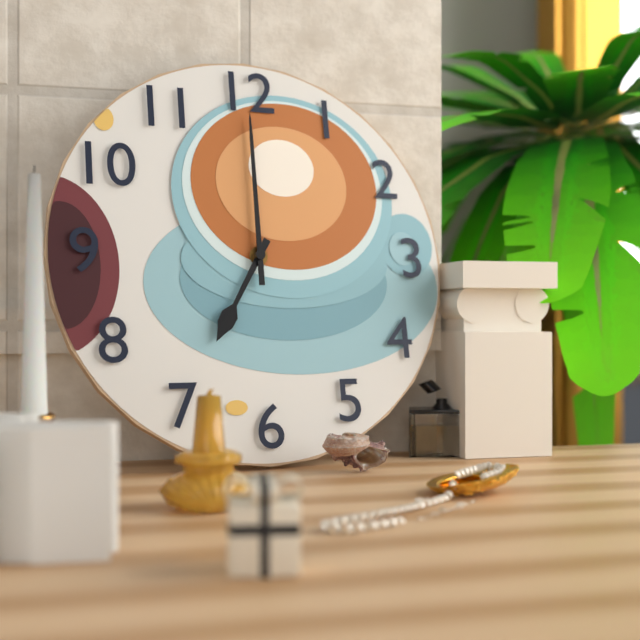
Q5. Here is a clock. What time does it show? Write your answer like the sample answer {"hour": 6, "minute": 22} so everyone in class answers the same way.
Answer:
{"hour": 7, "minute": 0}
